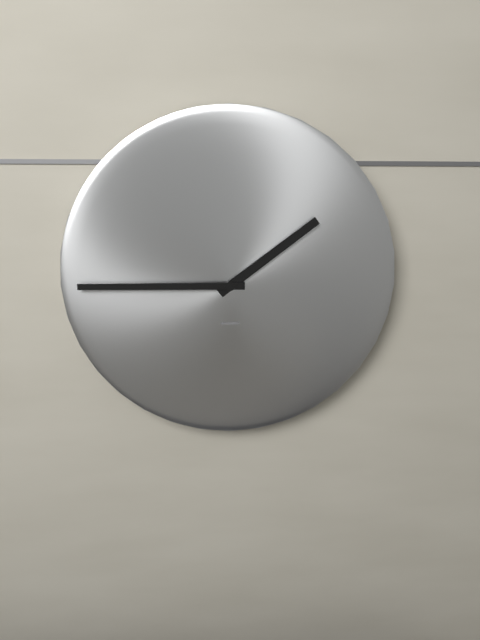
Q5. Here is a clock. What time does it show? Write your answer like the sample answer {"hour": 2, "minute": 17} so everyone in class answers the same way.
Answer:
{"hour": 1, "minute": 45}
